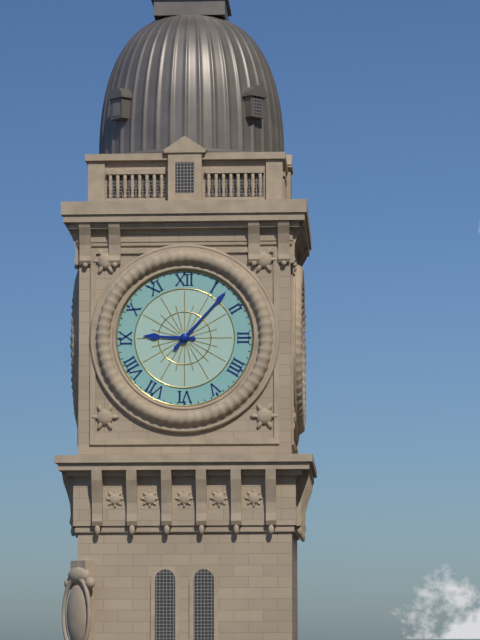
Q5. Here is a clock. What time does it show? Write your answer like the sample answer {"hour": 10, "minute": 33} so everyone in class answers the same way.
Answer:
{"hour": 9, "minute": 7}
